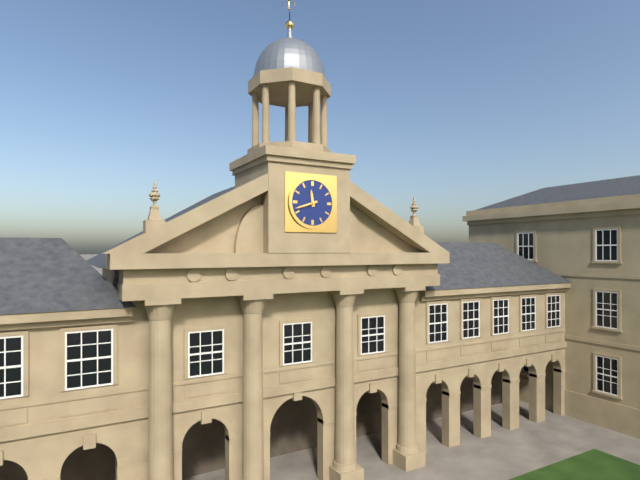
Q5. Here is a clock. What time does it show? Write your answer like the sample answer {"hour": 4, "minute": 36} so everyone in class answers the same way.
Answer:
{"hour": 11, "minute": 42}
